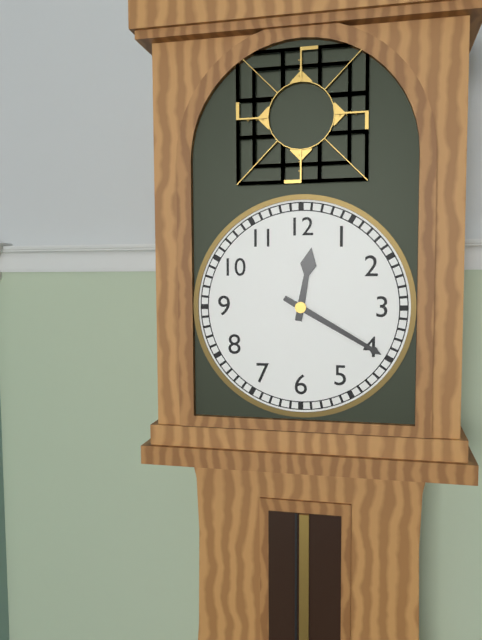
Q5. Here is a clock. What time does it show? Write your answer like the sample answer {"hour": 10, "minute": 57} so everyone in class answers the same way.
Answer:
{"hour": 12, "minute": 20}
